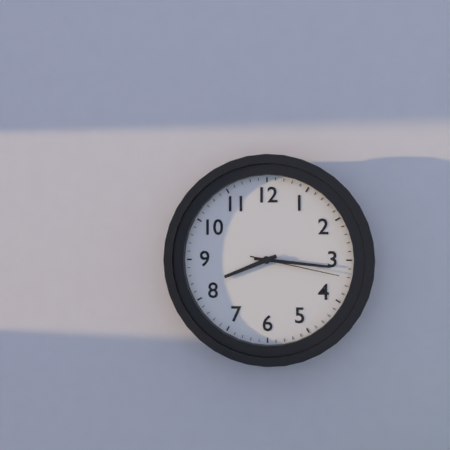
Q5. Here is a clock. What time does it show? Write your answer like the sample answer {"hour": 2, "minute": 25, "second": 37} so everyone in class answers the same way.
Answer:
{"hour": 8, "minute": 16, "second": 17}
